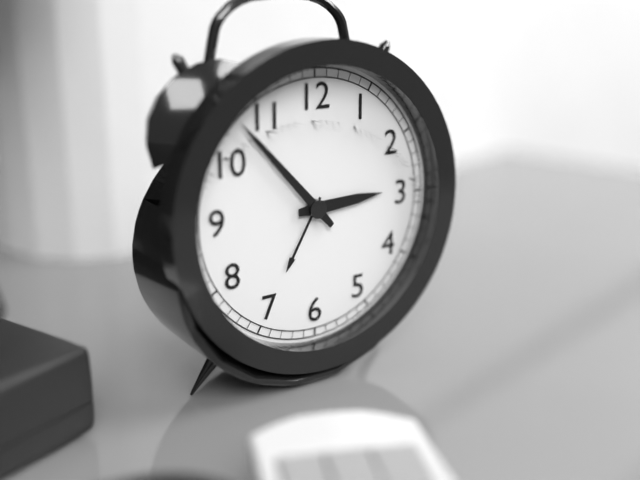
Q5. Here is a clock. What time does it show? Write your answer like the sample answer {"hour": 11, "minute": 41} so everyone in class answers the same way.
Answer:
{"hour": 2, "minute": 53}
